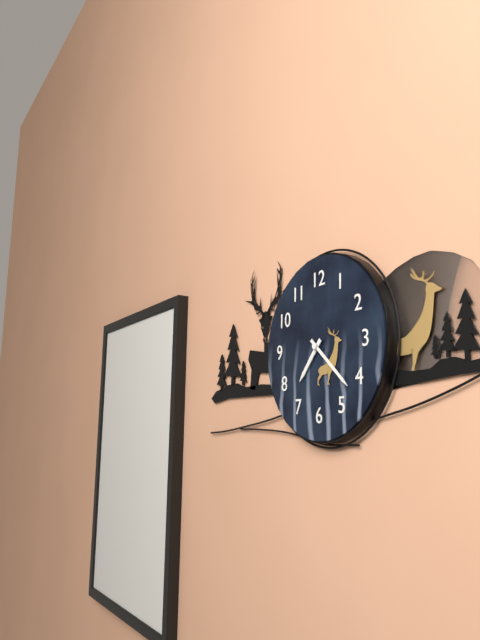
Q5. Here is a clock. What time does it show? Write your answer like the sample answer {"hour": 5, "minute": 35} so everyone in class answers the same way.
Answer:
{"hour": 7, "minute": 22}
